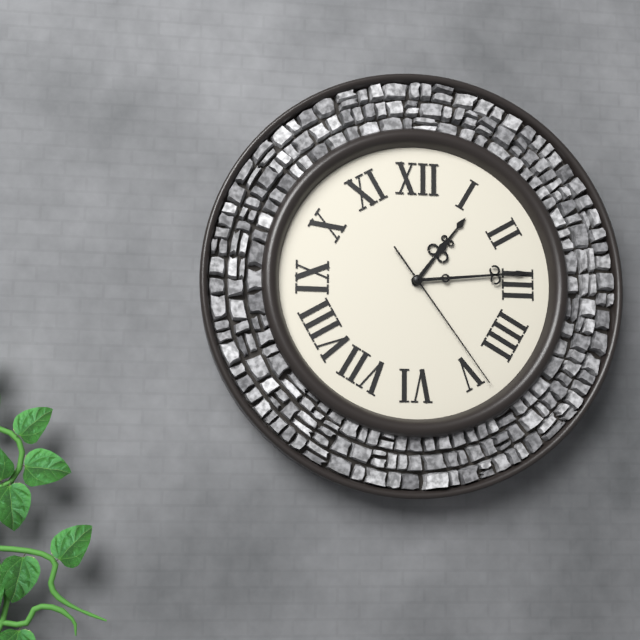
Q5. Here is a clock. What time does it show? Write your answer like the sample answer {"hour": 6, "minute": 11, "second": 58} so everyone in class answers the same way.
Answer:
{"hour": 1, "minute": 14, "second": 24}
